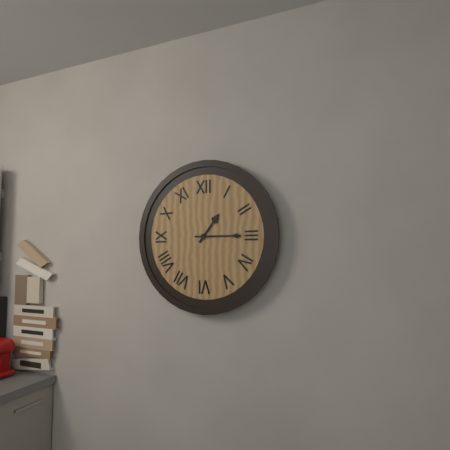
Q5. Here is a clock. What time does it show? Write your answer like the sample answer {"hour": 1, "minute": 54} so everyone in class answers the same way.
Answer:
{"hour": 1, "minute": 15}
